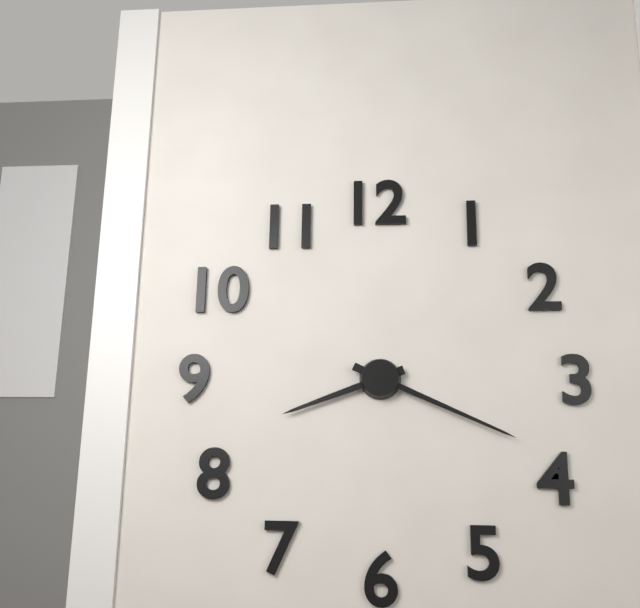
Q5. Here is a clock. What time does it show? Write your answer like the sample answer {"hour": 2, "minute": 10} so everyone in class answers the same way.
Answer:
{"hour": 8, "minute": 19}
